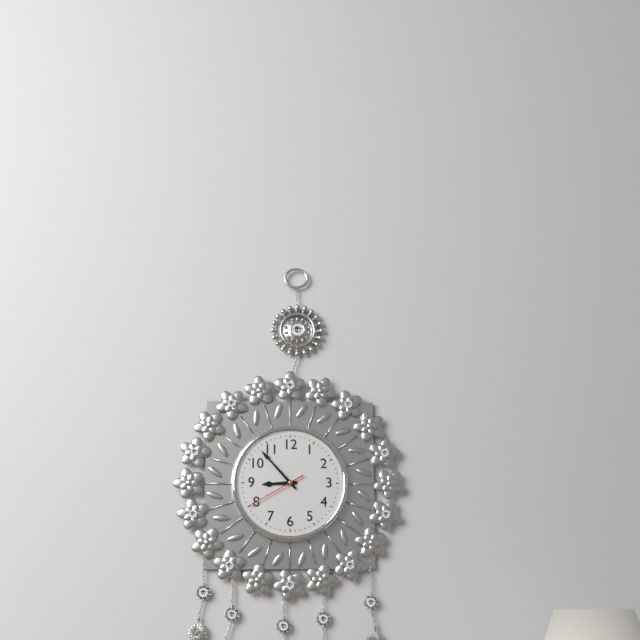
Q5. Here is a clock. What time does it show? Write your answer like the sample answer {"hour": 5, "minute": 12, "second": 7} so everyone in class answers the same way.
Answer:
{"hour": 8, "minute": 53, "second": 40}
